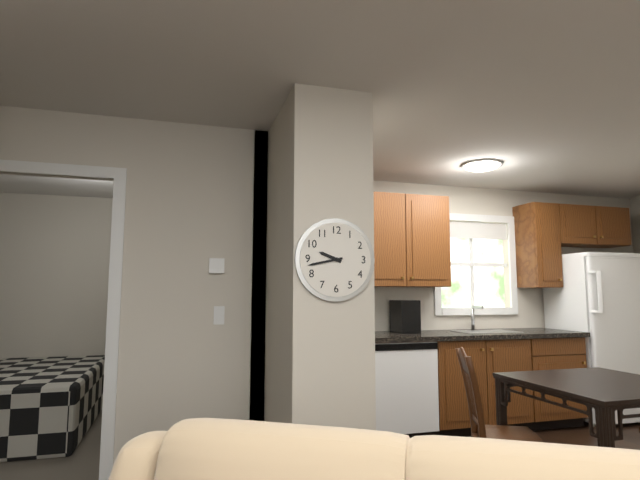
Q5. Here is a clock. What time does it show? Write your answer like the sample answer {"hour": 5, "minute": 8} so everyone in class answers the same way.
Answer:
{"hour": 9, "minute": 43}
